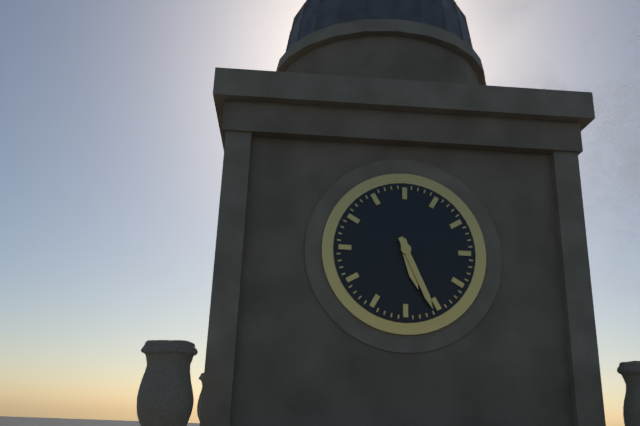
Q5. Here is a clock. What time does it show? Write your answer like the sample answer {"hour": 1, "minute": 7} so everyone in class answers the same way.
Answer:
{"hour": 5, "minute": 26}
